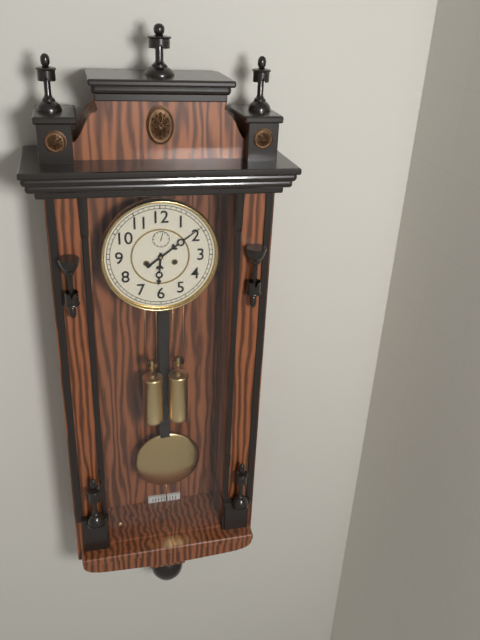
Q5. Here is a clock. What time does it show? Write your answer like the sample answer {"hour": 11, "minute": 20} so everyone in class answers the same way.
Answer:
{"hour": 6, "minute": 9}
